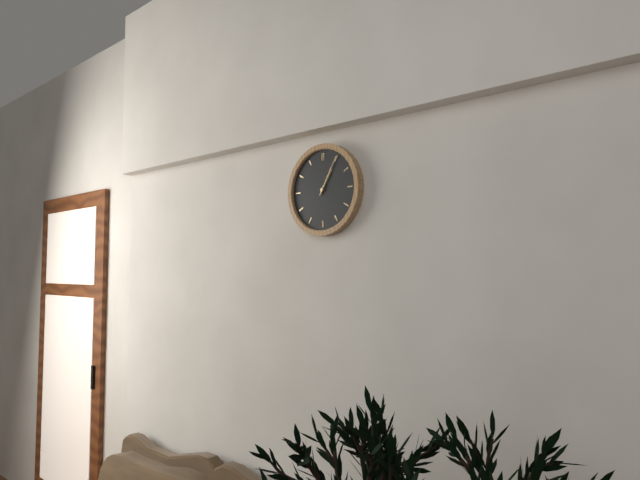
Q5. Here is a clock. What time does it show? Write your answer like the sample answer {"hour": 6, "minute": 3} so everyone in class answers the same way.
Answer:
{"hour": 1, "minute": 5}
